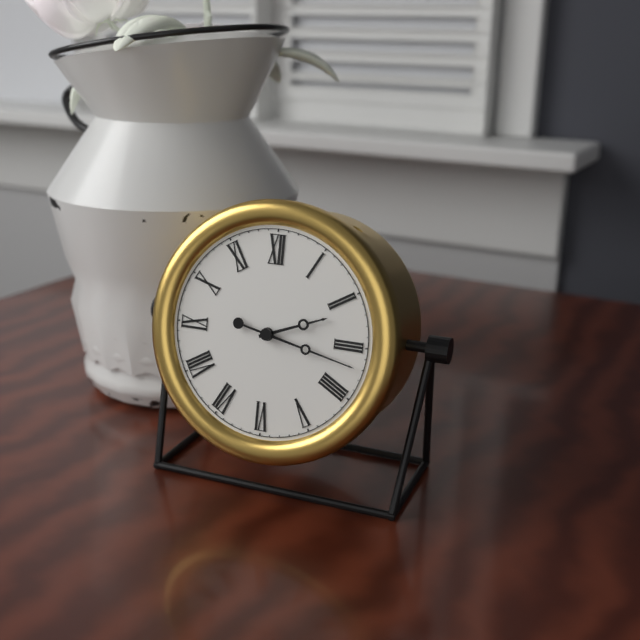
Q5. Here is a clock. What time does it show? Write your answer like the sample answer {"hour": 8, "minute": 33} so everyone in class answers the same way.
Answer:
{"hour": 2, "minute": 17}
